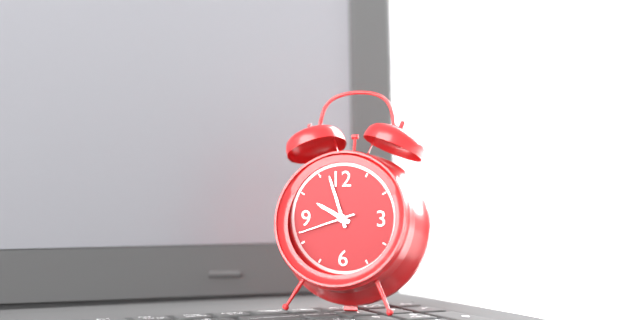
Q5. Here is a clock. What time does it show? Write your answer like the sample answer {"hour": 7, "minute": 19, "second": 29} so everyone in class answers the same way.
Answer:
{"hour": 9, "minute": 57, "second": 42}
